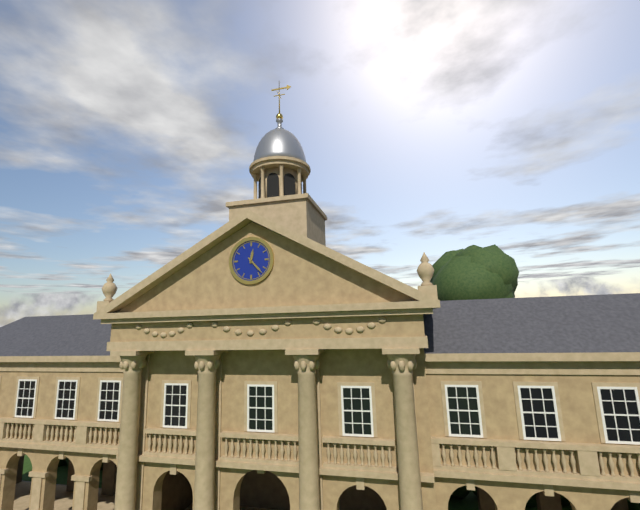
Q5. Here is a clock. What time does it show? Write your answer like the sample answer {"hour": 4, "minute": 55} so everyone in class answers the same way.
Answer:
{"hour": 12, "minute": 23}
